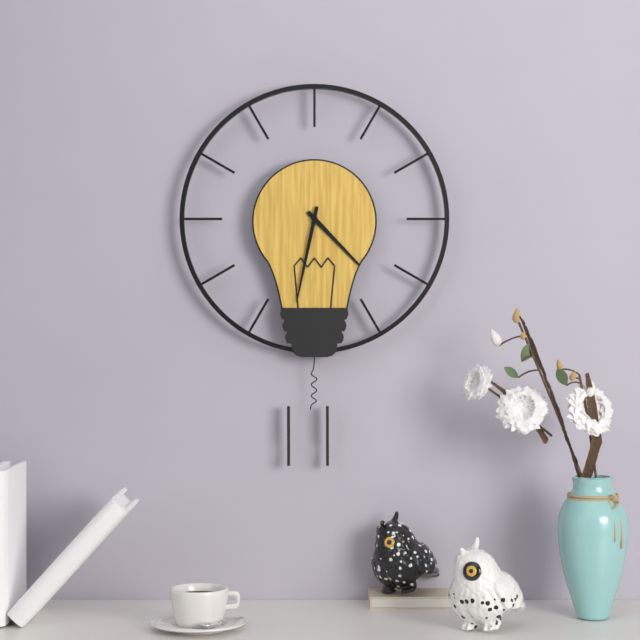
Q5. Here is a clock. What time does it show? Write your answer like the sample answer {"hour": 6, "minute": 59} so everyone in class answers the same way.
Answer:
{"hour": 4, "minute": 32}
